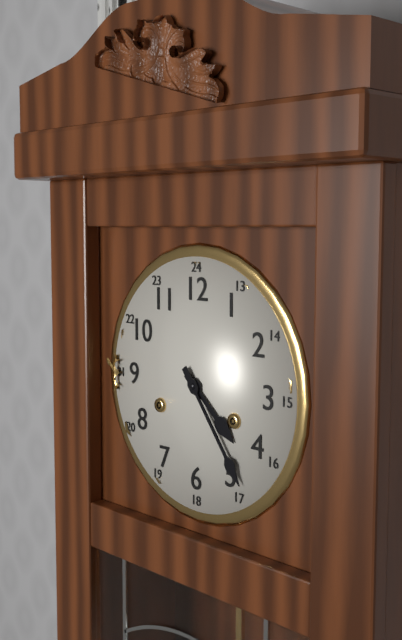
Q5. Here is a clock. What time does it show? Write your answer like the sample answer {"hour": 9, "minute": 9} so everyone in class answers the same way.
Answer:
{"hour": 4, "minute": 24}
